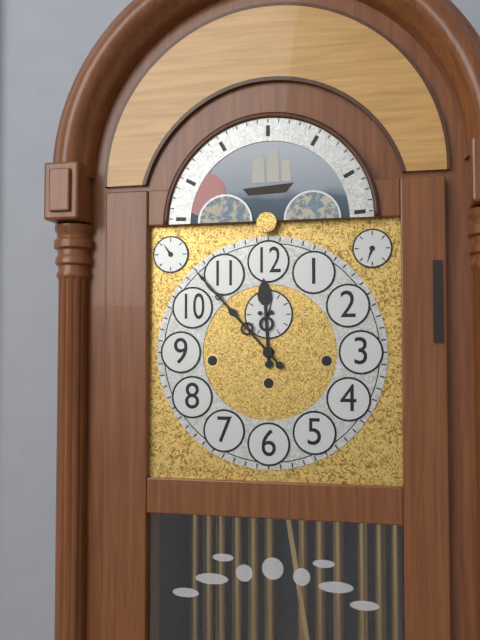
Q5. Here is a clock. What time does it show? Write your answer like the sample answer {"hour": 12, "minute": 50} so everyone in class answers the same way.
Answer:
{"hour": 11, "minute": 53}
